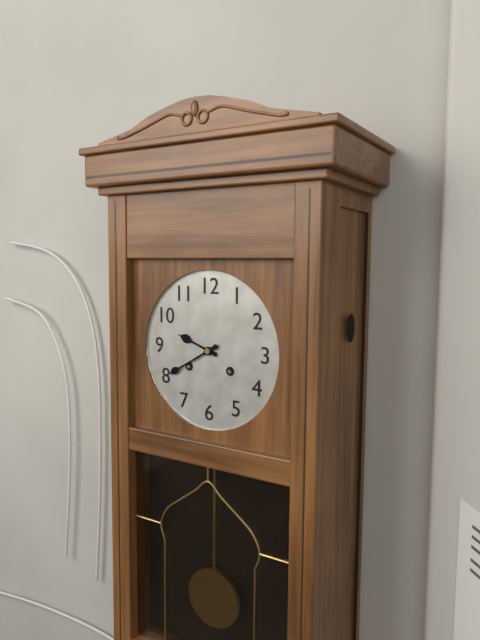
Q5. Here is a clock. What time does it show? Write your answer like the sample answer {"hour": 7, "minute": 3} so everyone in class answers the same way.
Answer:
{"hour": 9, "minute": 40}
